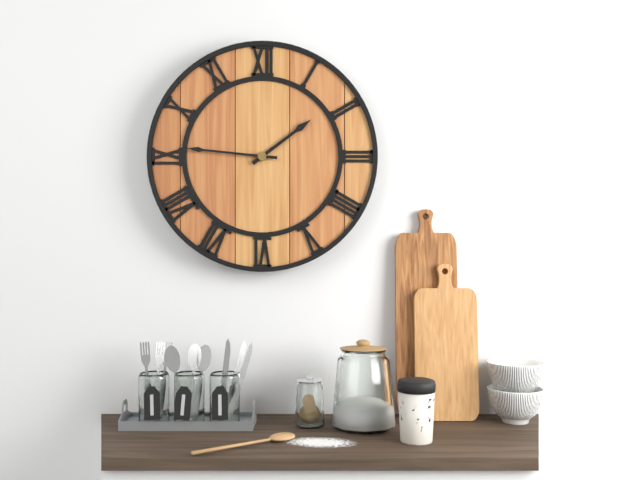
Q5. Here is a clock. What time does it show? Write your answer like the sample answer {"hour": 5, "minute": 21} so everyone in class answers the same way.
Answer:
{"hour": 1, "minute": 46}
